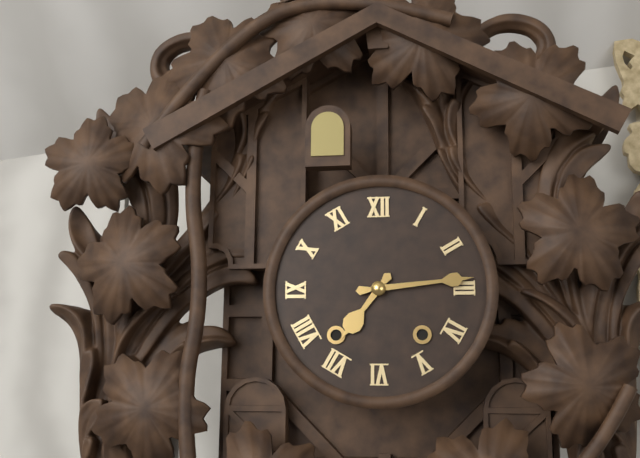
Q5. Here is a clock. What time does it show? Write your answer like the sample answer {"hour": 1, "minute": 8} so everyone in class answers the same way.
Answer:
{"hour": 7, "minute": 14}
